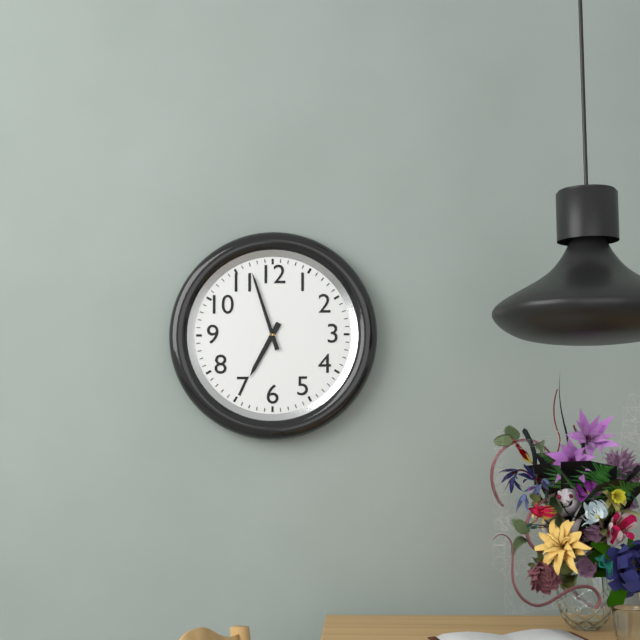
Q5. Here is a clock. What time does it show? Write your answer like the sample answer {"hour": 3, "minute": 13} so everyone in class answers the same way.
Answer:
{"hour": 6, "minute": 57}
